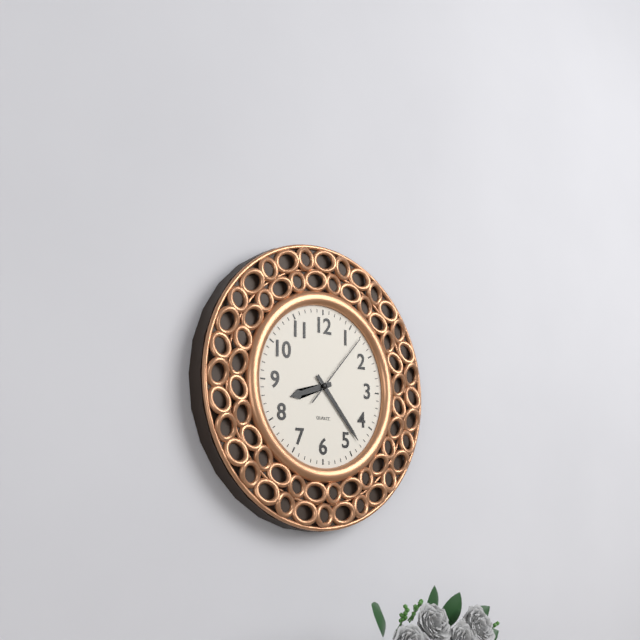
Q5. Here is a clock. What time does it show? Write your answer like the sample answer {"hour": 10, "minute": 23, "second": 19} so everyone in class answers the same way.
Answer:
{"hour": 8, "minute": 23, "second": 7}
